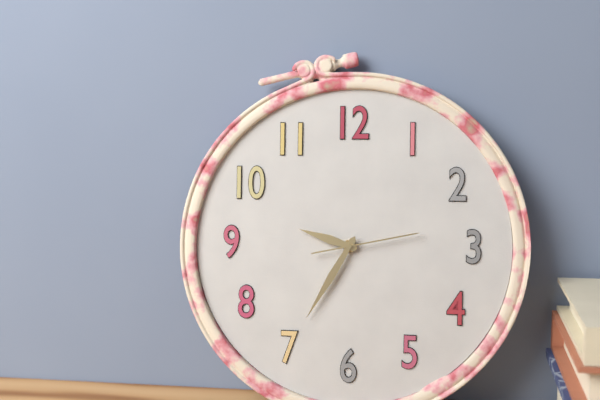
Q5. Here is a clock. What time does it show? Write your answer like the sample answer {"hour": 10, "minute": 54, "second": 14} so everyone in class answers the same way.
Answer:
{"hour": 9, "minute": 35, "second": 13}
